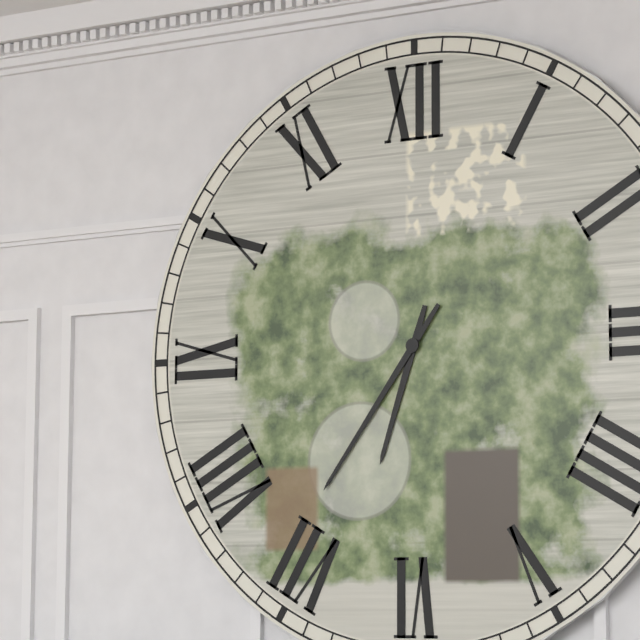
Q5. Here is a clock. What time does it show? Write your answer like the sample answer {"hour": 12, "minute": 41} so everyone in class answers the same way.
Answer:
{"hour": 6, "minute": 36}
